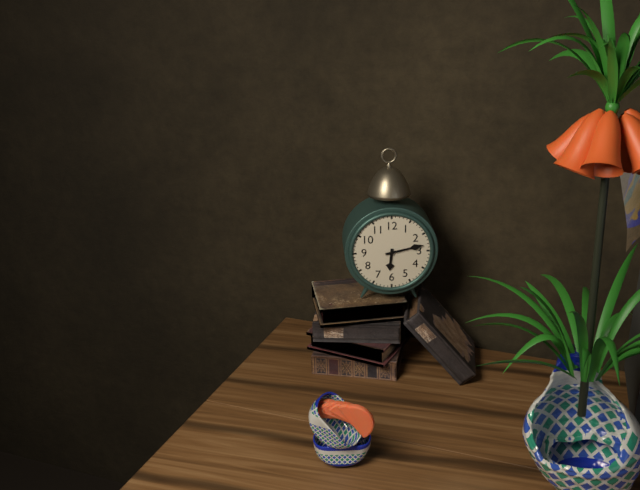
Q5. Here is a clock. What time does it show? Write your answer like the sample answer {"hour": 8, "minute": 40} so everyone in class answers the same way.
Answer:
{"hour": 6, "minute": 13}
